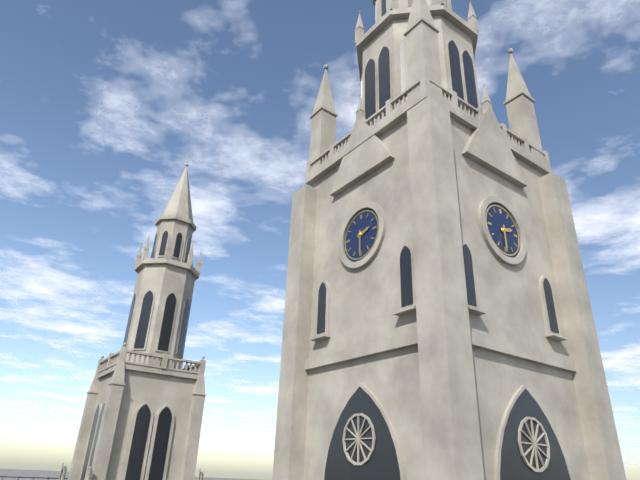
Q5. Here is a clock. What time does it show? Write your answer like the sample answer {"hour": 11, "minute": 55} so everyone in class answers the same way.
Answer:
{"hour": 2, "minute": 30}
